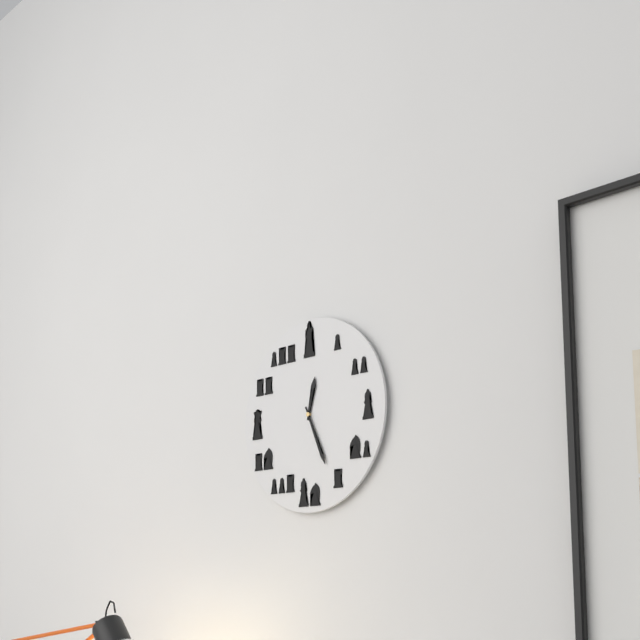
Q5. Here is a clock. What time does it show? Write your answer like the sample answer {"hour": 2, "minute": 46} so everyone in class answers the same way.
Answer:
{"hour": 12, "minute": 26}
